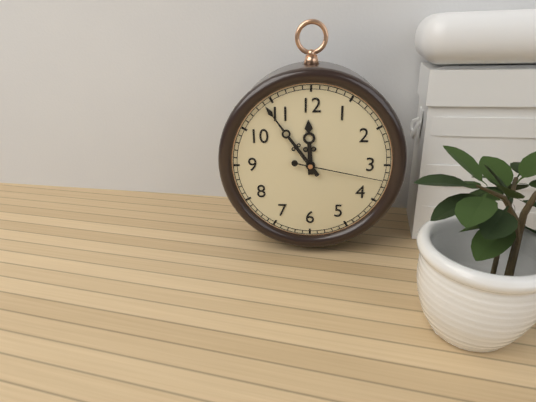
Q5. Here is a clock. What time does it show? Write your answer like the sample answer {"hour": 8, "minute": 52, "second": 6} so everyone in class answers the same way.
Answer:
{"hour": 11, "minute": 54, "second": 17}
